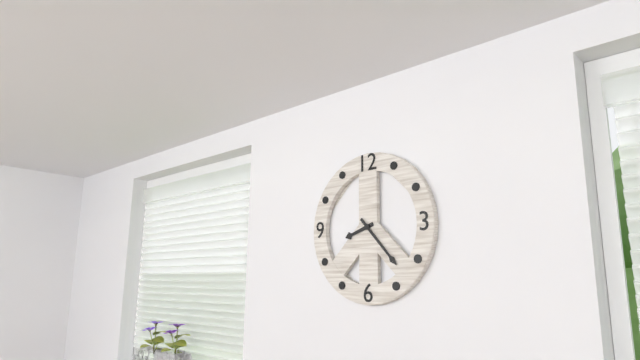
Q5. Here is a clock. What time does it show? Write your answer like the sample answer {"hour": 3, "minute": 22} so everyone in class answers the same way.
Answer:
{"hour": 8, "minute": 23}
